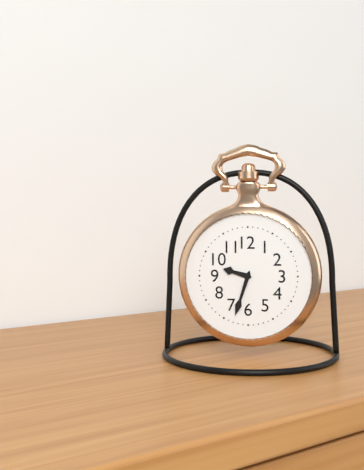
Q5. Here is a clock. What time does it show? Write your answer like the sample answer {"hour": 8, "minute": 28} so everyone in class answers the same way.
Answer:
{"hour": 9, "minute": 33}
